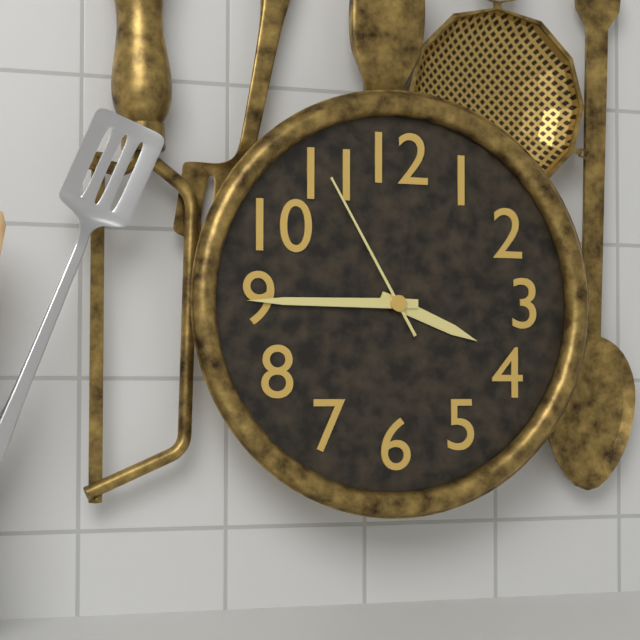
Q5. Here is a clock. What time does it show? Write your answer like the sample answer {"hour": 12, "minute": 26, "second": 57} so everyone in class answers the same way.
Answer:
{"hour": 3, "minute": 45, "second": 55}
